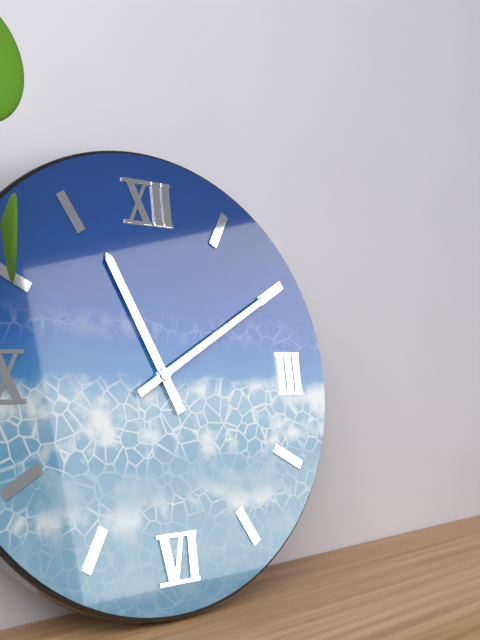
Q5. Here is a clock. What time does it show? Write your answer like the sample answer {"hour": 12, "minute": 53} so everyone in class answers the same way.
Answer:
{"hour": 11, "minute": 10}
